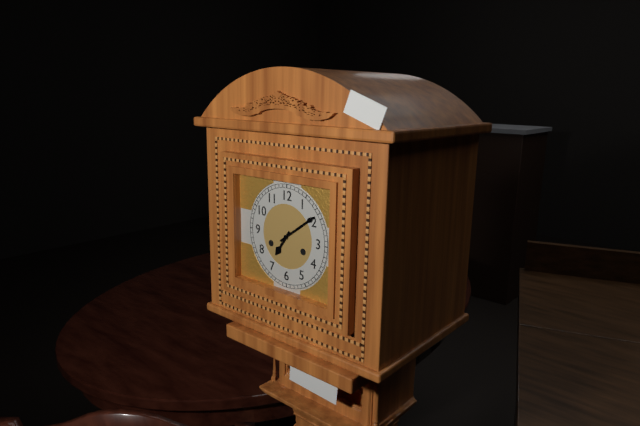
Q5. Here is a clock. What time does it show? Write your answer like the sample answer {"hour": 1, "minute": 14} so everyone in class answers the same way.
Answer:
{"hour": 7, "minute": 9}
